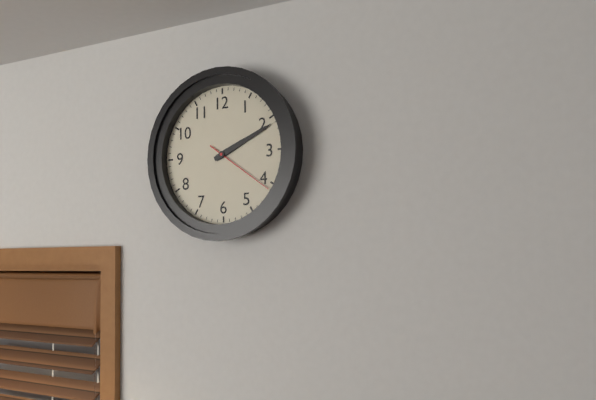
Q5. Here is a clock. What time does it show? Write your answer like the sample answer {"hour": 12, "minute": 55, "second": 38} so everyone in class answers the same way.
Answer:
{"hour": 2, "minute": 11, "second": 21}
